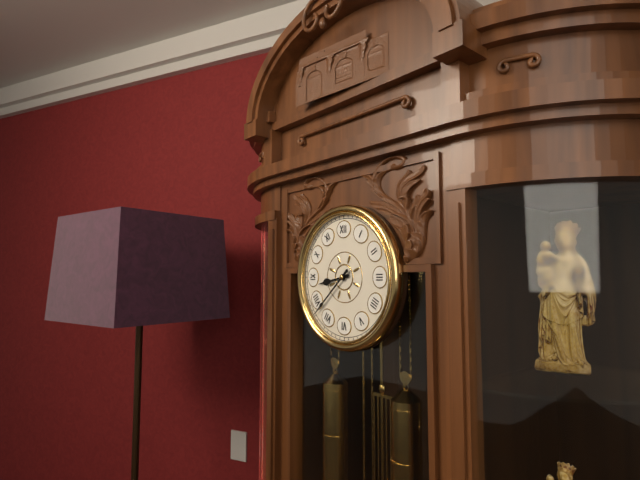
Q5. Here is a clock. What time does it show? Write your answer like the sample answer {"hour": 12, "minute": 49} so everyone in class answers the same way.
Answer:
{"hour": 8, "minute": 38}
